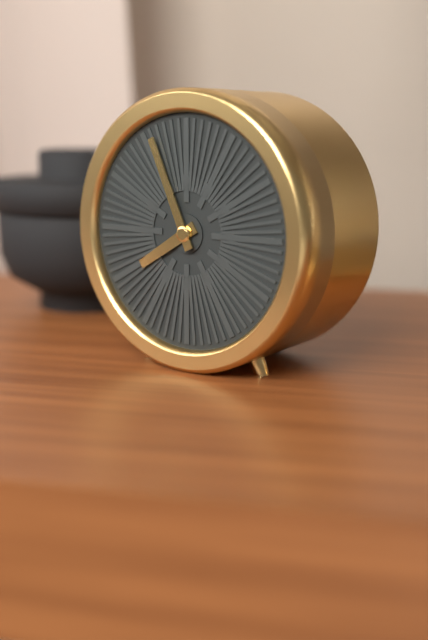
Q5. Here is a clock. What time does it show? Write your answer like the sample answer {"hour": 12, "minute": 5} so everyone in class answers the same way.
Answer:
{"hour": 7, "minute": 56}
